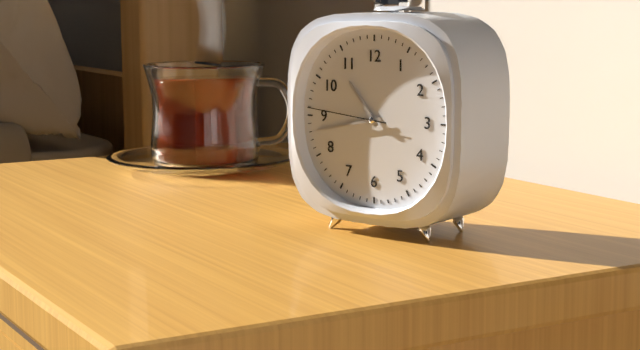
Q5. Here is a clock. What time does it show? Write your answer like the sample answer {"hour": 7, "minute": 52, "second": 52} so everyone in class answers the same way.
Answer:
{"hour": 10, "minute": 43, "second": 46}
